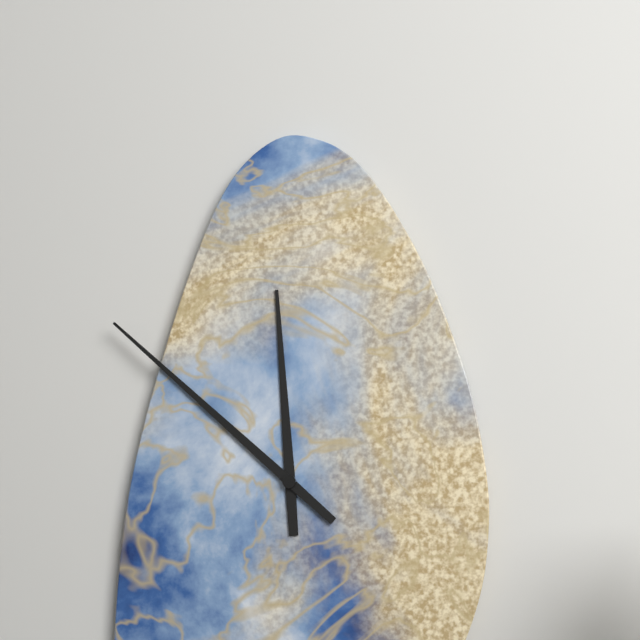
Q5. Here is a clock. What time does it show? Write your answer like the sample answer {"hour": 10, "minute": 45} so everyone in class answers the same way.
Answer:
{"hour": 11, "minute": 52}
